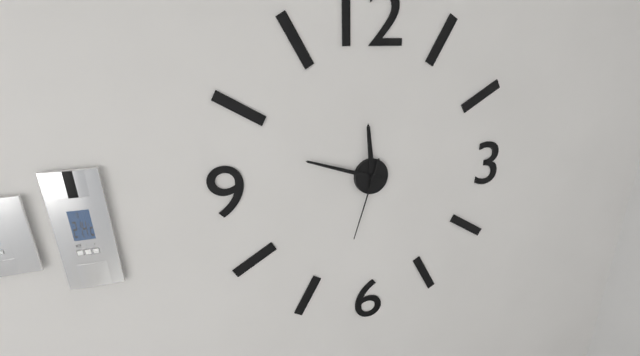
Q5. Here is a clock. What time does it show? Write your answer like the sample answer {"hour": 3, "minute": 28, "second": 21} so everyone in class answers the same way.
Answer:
{"hour": 11, "minute": 48, "second": 33}
